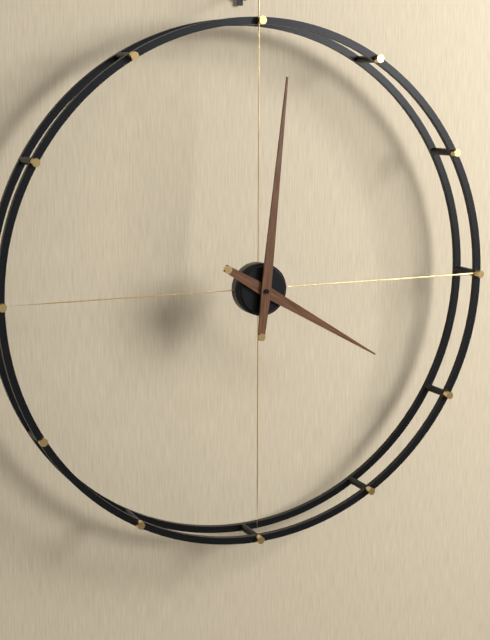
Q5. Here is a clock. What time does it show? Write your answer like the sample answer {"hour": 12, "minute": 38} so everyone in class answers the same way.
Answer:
{"hour": 4, "minute": 1}
